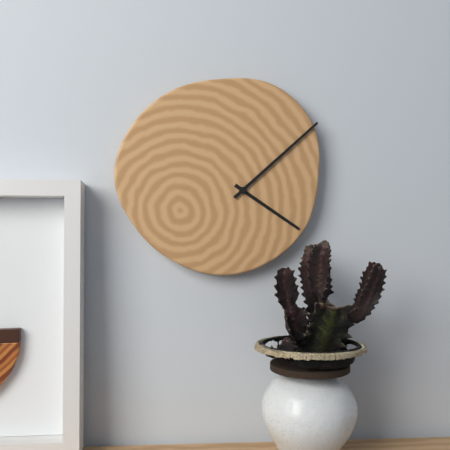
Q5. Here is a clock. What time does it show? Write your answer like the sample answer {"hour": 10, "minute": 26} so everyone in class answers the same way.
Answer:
{"hour": 4, "minute": 8}
